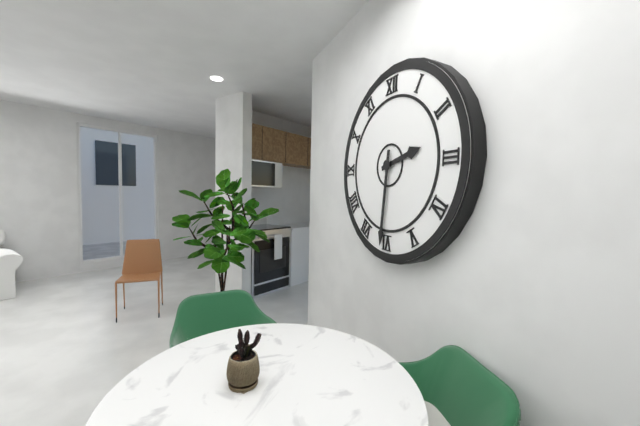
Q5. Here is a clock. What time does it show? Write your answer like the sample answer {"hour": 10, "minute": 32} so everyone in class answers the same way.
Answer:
{"hour": 2, "minute": 31}
